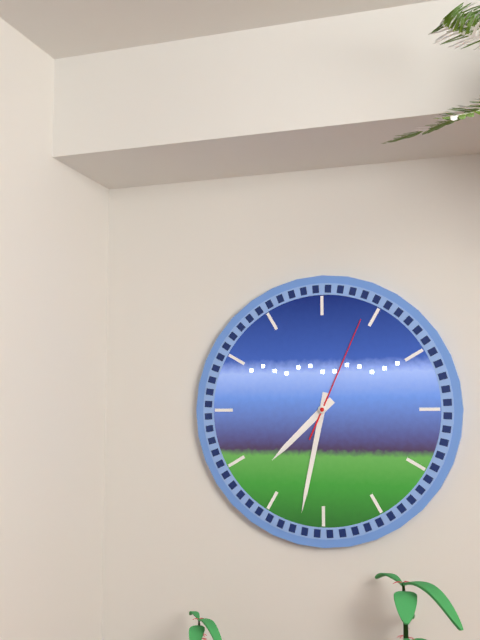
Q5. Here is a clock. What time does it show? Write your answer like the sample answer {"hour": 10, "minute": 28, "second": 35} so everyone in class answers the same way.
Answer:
{"hour": 7, "minute": 32, "second": 4}
